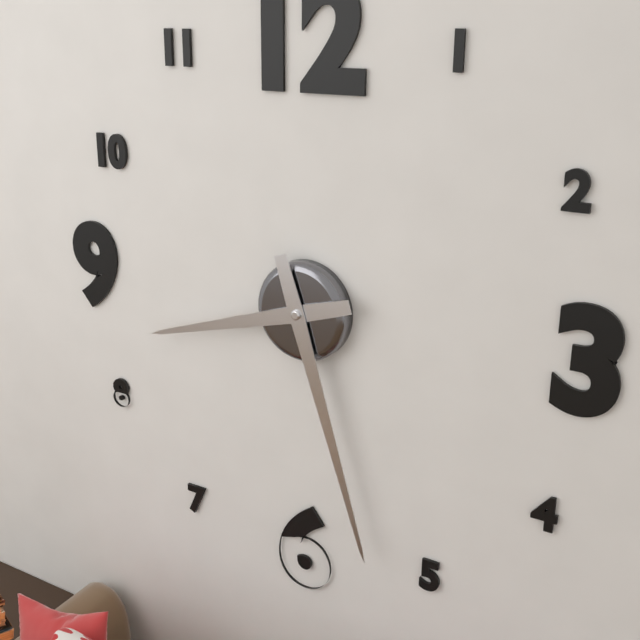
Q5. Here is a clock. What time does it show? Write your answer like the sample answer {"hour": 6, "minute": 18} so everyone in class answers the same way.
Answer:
{"hour": 8, "minute": 27}
